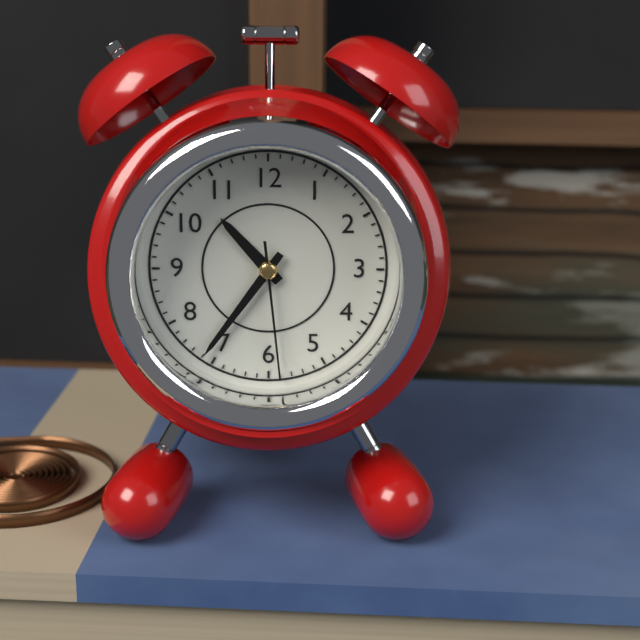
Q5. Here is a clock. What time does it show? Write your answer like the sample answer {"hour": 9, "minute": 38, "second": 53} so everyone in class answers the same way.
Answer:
{"hour": 10, "minute": 36, "second": 29}
